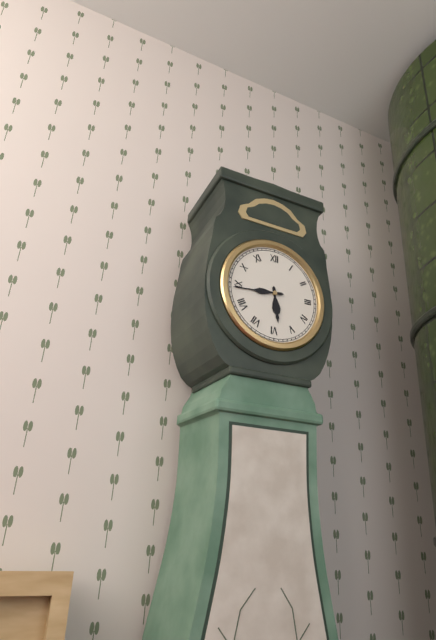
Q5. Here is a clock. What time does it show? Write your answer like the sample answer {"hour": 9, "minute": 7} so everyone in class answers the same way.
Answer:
{"hour": 5, "minute": 44}
